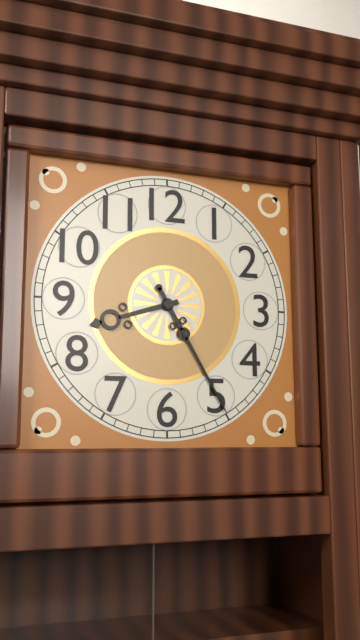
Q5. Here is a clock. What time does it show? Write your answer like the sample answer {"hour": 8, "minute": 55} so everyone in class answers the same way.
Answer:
{"hour": 8, "minute": 25}
